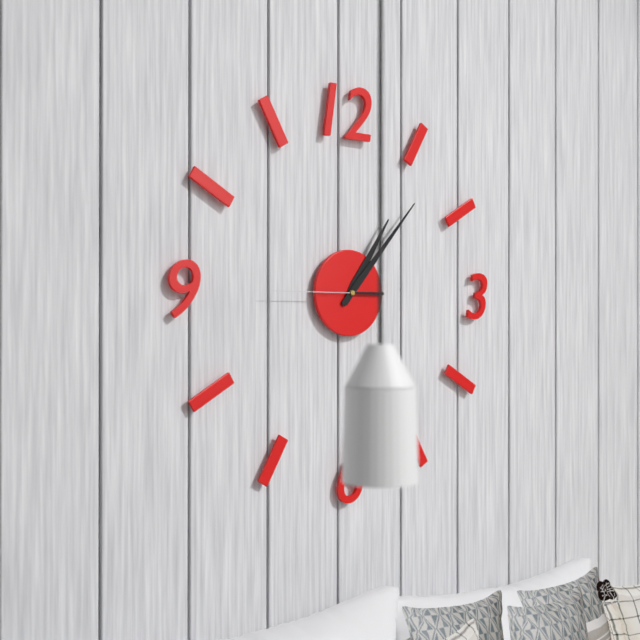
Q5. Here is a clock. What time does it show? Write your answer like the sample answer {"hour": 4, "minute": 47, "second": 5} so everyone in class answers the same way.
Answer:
{"hour": 1, "minute": 7, "second": 45}
